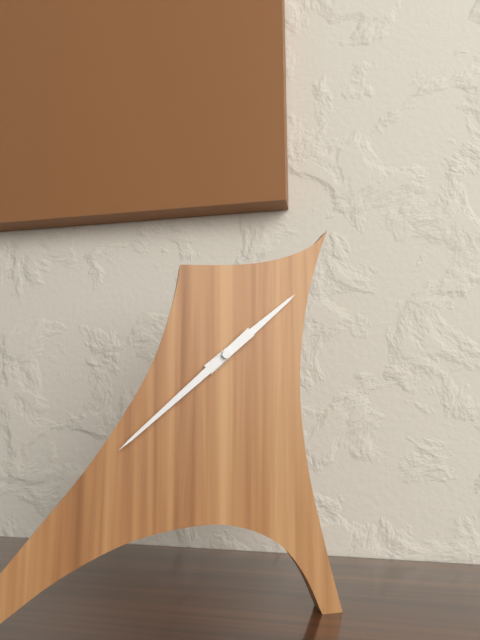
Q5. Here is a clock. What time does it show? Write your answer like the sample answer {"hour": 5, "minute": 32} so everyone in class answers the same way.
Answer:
{"hour": 1, "minute": 38}
